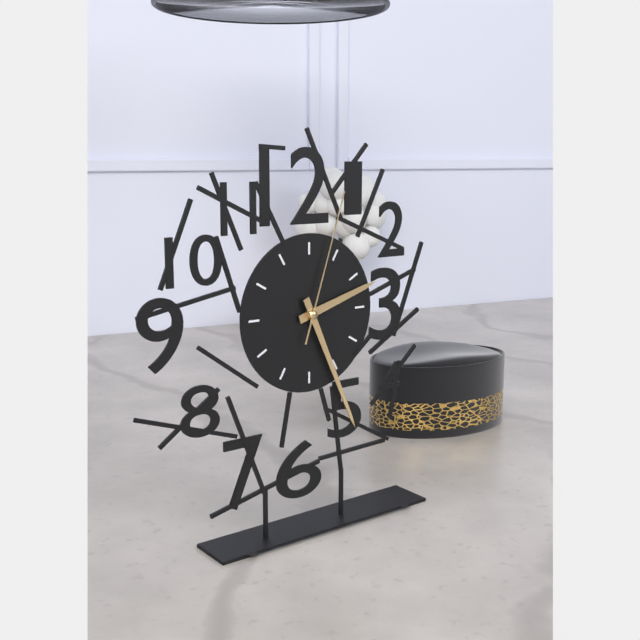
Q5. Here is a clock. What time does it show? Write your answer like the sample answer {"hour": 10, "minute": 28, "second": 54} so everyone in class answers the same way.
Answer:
{"hour": 2, "minute": 26, "second": 3}
